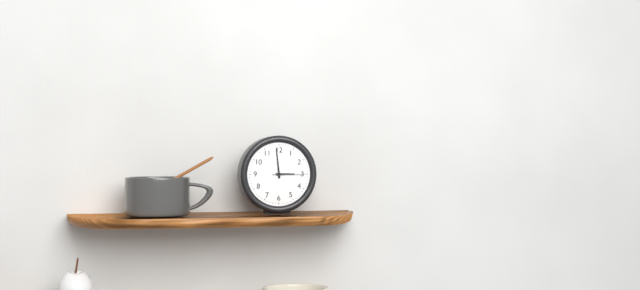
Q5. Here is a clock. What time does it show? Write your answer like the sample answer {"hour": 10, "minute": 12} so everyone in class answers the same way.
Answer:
{"hour": 2, "minute": 59}
